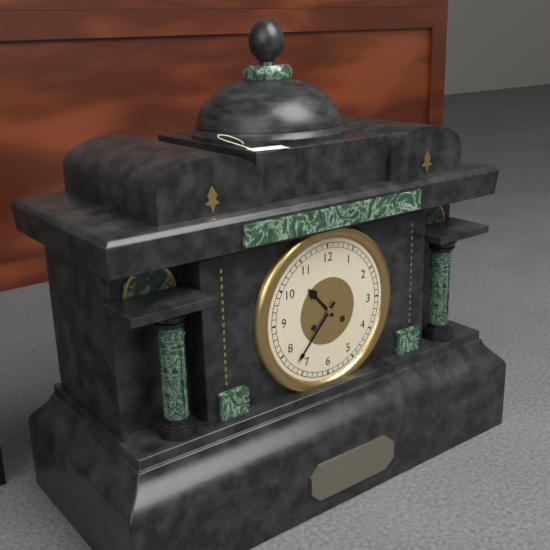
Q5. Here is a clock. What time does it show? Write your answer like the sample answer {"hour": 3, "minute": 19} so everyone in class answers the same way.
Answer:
{"hour": 10, "minute": 37}
